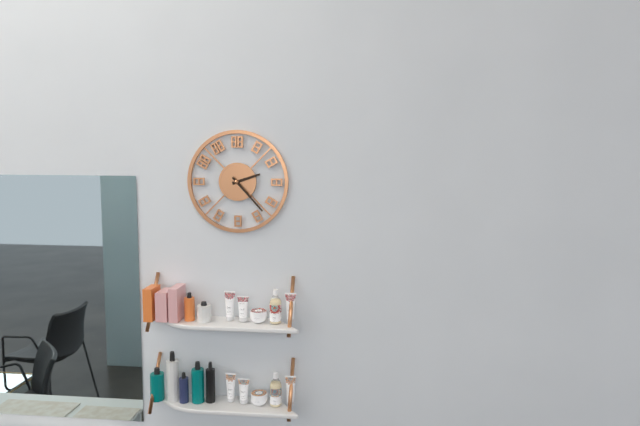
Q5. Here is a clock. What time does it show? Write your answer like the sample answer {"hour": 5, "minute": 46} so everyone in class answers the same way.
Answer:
{"hour": 2, "minute": 23}
